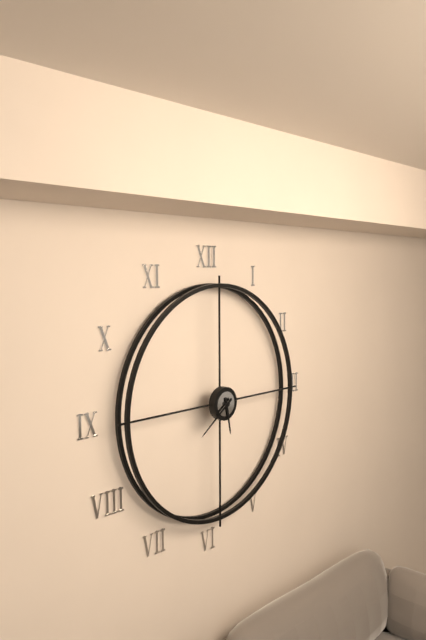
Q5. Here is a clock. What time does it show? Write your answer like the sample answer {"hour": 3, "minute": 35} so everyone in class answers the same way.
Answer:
{"hour": 5, "minute": 39}
